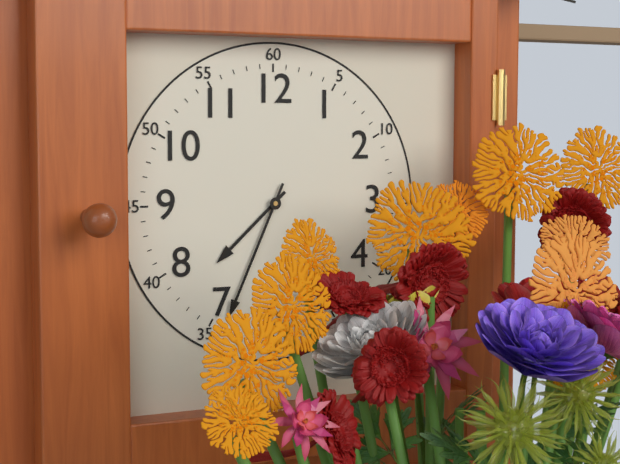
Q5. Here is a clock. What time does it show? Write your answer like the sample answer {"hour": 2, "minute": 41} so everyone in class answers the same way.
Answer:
{"hour": 7, "minute": 34}
